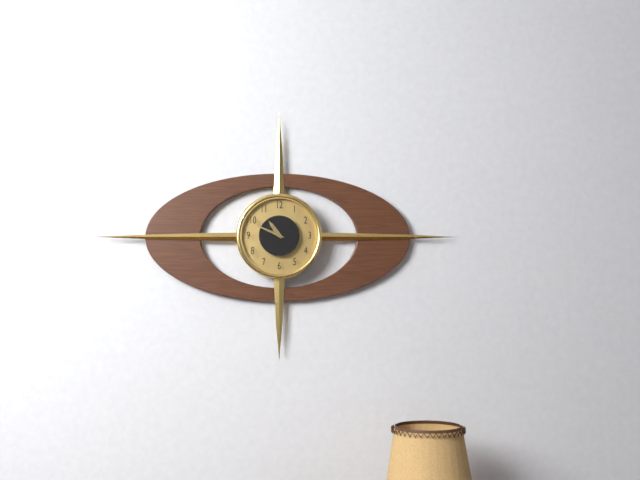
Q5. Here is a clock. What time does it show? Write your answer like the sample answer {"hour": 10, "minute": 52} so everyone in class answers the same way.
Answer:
{"hour": 10, "minute": 49}
